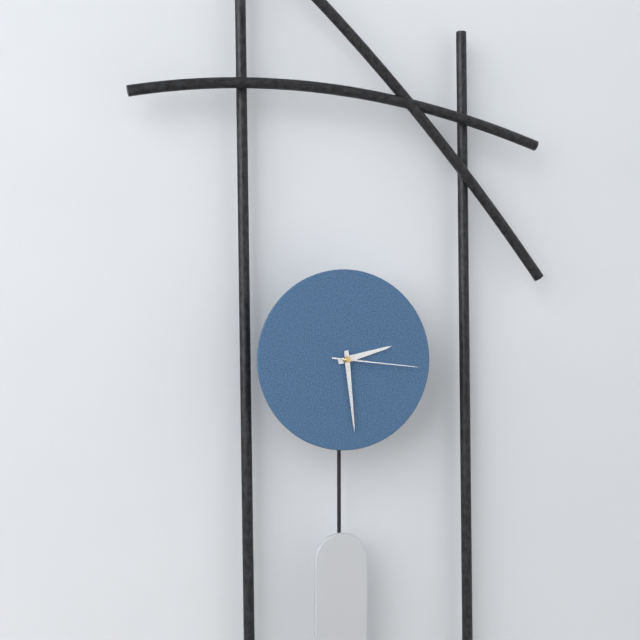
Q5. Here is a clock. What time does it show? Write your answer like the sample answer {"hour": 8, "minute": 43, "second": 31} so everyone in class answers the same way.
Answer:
{"hour": 2, "minute": 29, "second": 16}
